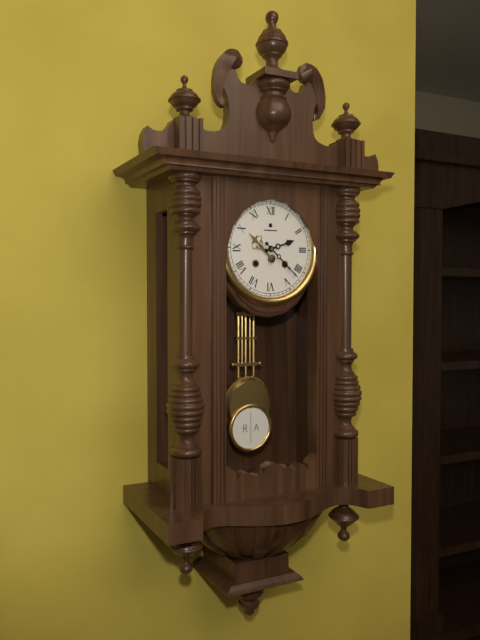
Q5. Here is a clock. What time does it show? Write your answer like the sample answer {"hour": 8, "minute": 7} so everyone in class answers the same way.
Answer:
{"hour": 2, "minute": 22}
